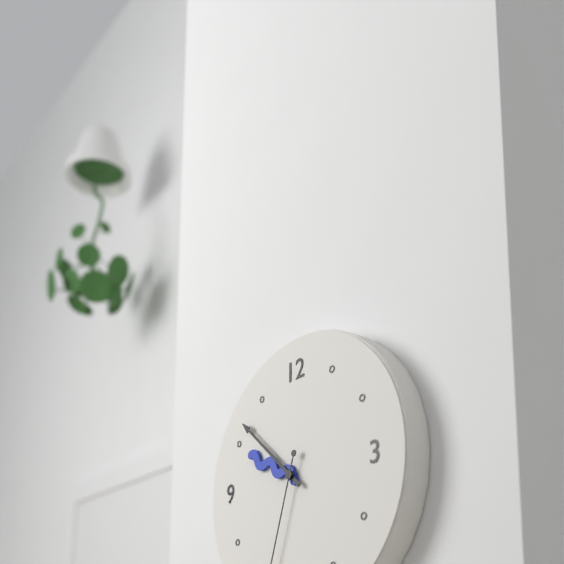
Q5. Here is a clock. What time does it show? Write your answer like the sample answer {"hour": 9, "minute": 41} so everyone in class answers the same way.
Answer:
{"hour": 9, "minute": 52}
